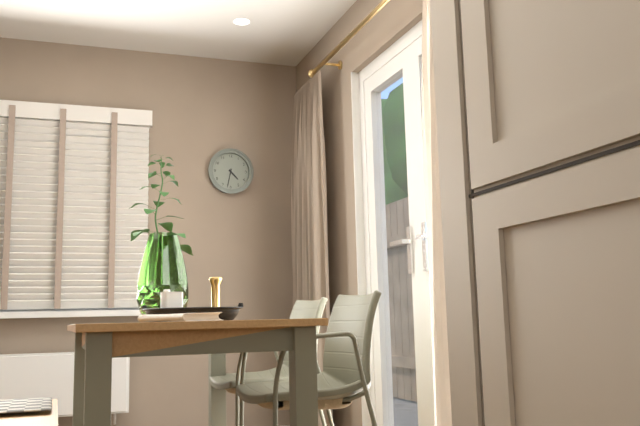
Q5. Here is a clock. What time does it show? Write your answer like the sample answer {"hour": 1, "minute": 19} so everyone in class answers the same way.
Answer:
{"hour": 4, "minute": 32}
